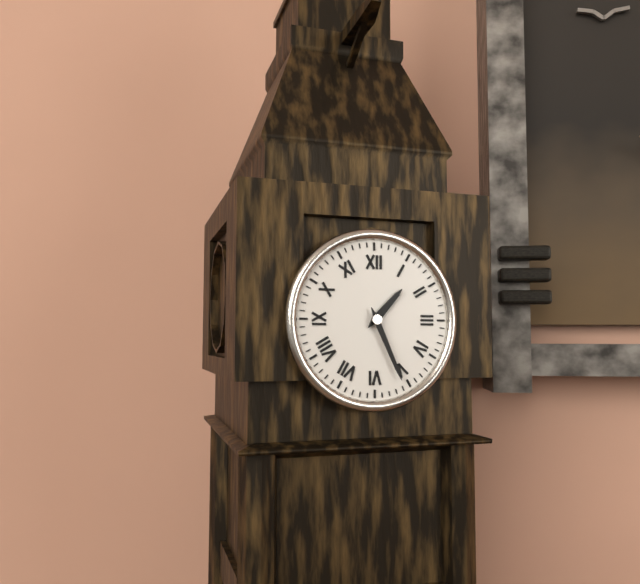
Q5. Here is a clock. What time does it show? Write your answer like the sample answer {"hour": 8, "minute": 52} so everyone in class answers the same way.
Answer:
{"hour": 1, "minute": 26}
